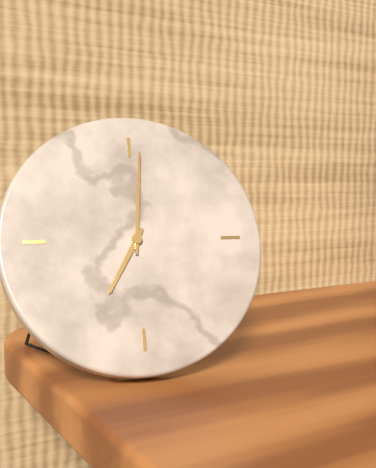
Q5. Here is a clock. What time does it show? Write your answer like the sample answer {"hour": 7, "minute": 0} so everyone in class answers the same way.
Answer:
{"hour": 7, "minute": 1}
